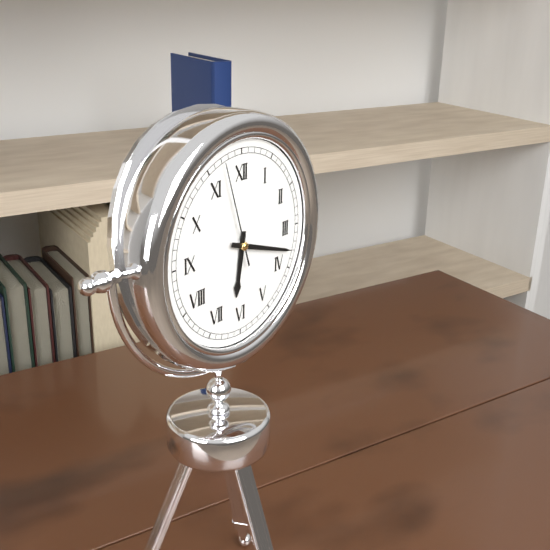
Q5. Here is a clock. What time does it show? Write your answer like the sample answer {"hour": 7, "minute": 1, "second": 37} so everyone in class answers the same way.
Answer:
{"hour": 6, "minute": 18, "second": 57}
